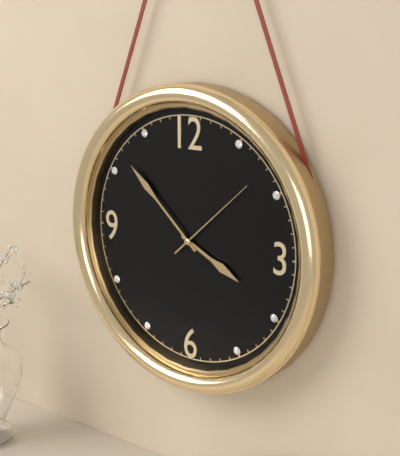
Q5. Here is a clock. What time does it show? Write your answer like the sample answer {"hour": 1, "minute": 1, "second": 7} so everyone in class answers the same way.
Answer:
{"hour": 3, "minute": 52, "second": 8}
